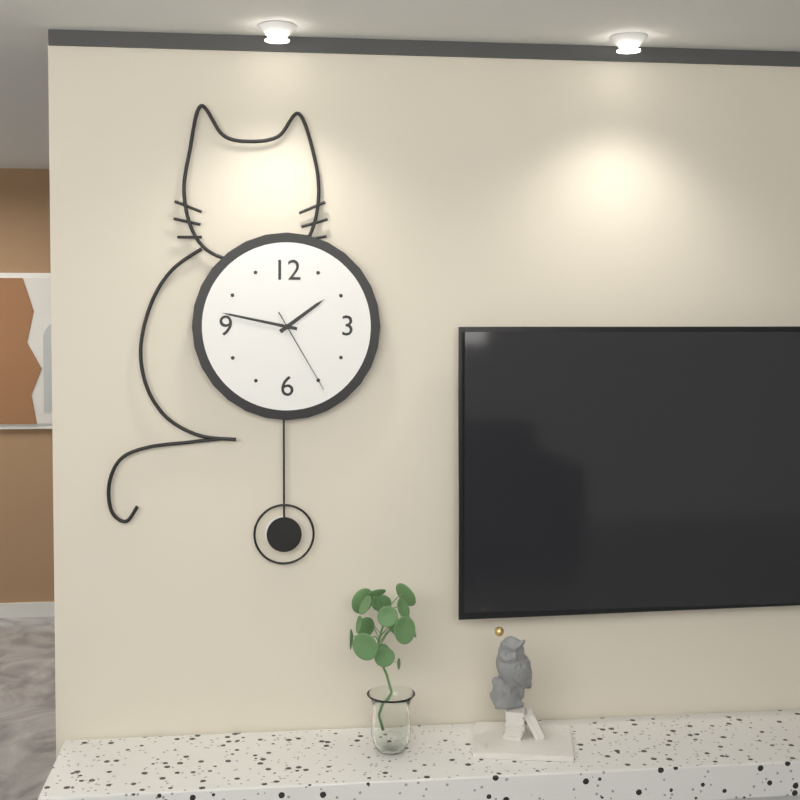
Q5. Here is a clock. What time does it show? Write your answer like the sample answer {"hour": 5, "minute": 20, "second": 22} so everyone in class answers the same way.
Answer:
{"hour": 1, "minute": 47, "second": 25}
